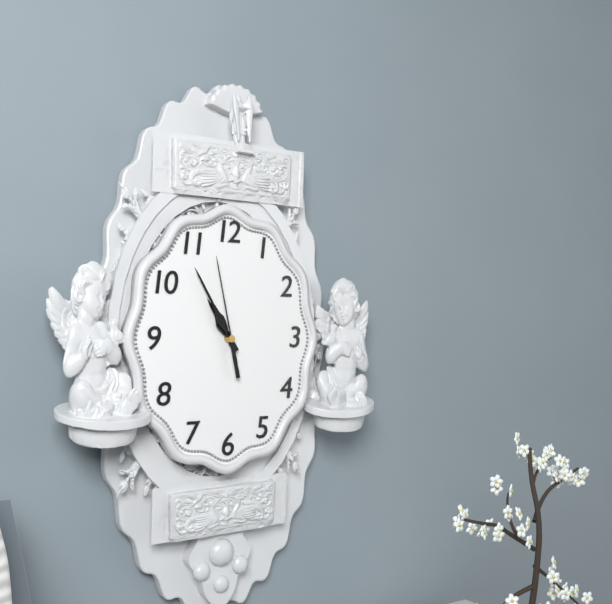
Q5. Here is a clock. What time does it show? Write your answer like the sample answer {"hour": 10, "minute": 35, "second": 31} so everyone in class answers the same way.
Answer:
{"hour": 10, "minute": 55, "second": 58}
